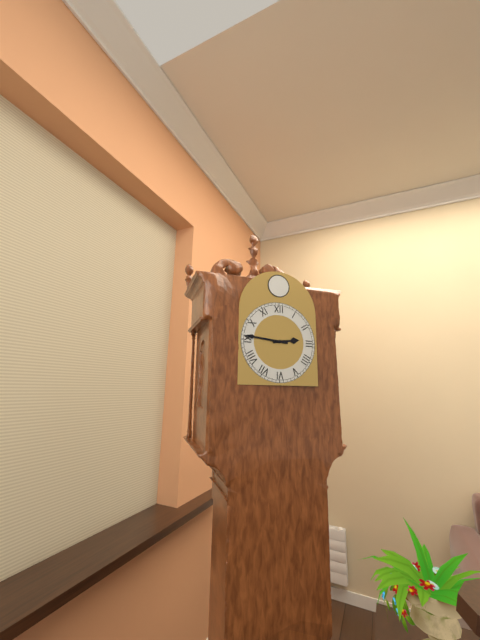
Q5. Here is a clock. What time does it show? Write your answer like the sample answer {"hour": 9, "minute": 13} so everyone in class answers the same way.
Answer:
{"hour": 2, "minute": 46}
